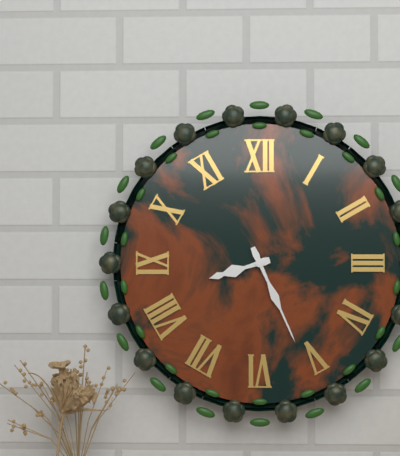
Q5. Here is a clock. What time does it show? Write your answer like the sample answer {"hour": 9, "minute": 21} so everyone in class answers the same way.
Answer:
{"hour": 8, "minute": 26}
